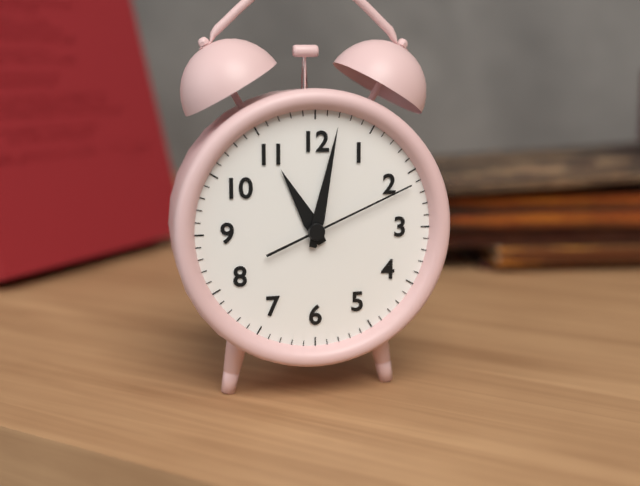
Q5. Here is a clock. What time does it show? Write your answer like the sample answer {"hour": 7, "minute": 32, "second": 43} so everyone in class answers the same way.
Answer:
{"hour": 11, "minute": 2, "second": 11}
